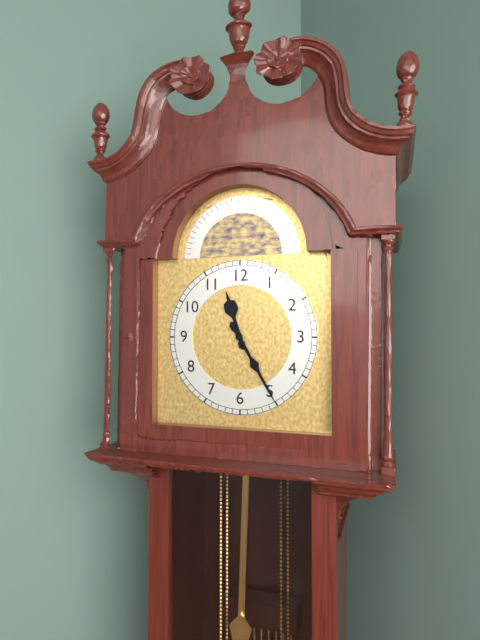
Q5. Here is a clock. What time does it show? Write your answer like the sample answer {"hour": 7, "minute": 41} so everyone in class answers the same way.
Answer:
{"hour": 11, "minute": 25}
